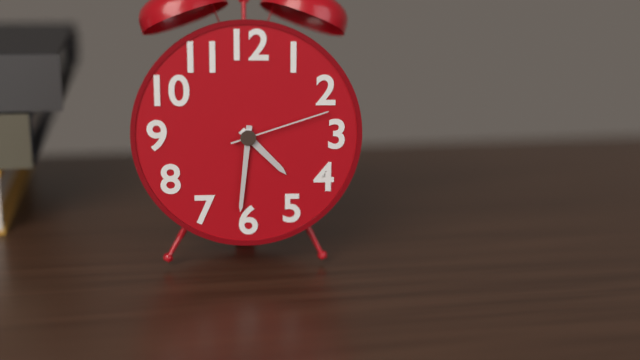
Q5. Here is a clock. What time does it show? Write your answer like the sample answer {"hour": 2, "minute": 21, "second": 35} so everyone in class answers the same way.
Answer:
{"hour": 4, "minute": 31, "second": 12}
